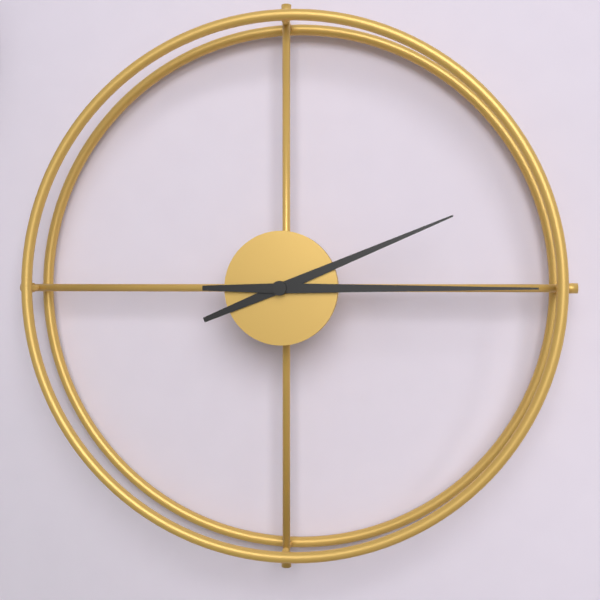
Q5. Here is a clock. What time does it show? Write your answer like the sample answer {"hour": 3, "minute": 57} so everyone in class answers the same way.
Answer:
{"hour": 2, "minute": 15}
